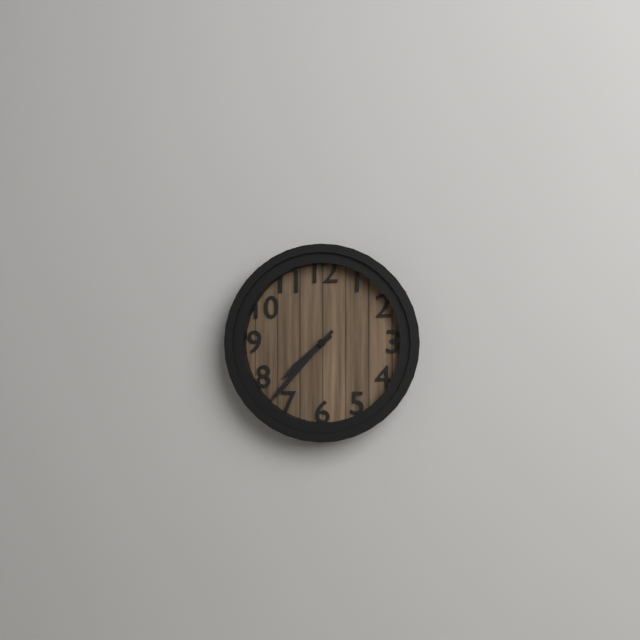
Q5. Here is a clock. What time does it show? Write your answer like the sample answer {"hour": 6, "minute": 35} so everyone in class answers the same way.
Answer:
{"hour": 7, "minute": 37}
